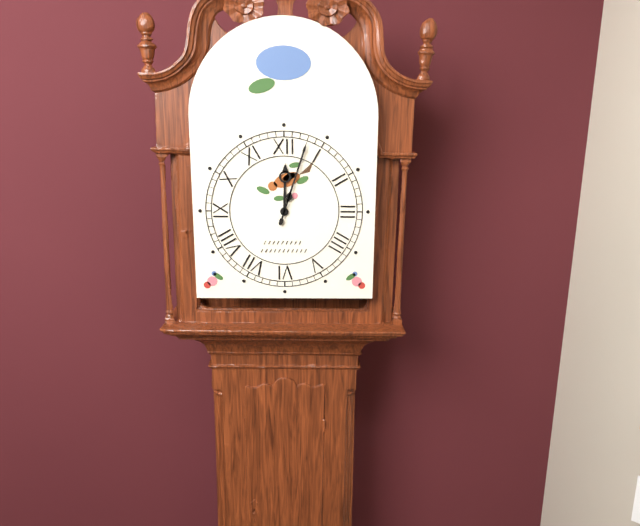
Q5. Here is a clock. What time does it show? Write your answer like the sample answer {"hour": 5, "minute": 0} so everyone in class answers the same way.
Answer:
{"hour": 12, "minute": 3}
